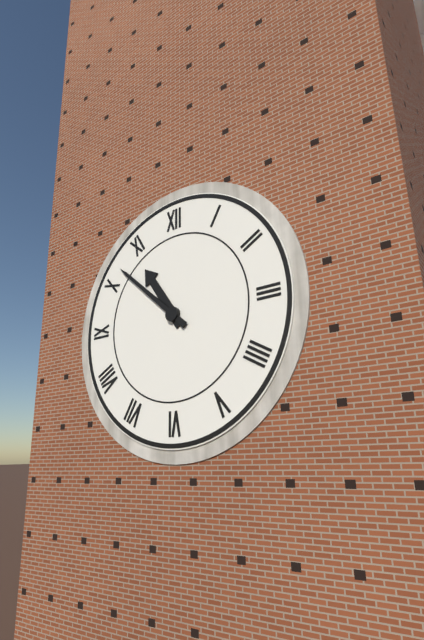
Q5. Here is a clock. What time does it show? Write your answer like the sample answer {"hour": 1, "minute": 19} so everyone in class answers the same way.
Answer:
{"hour": 10, "minute": 52}
